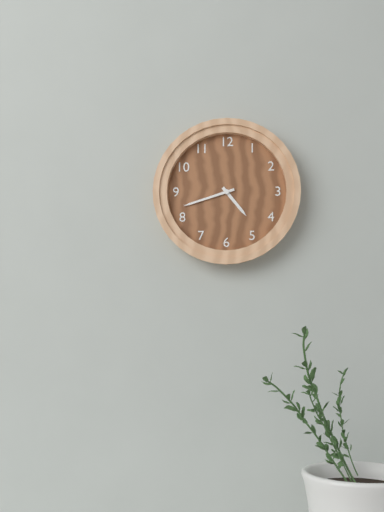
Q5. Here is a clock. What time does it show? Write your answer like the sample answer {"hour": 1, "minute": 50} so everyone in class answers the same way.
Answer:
{"hour": 4, "minute": 42}
